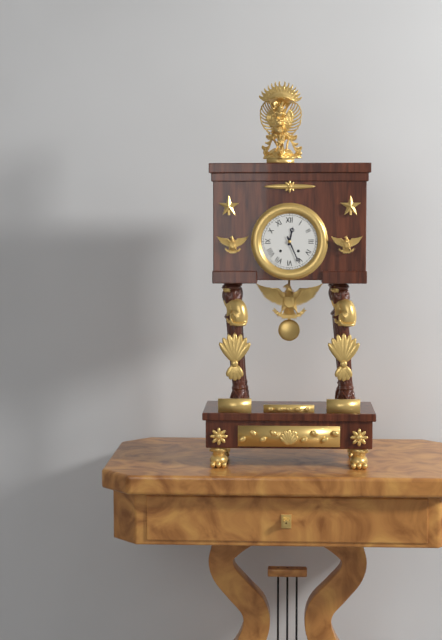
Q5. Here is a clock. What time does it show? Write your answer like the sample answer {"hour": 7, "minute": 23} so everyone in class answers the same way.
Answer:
{"hour": 12, "minute": 26}
